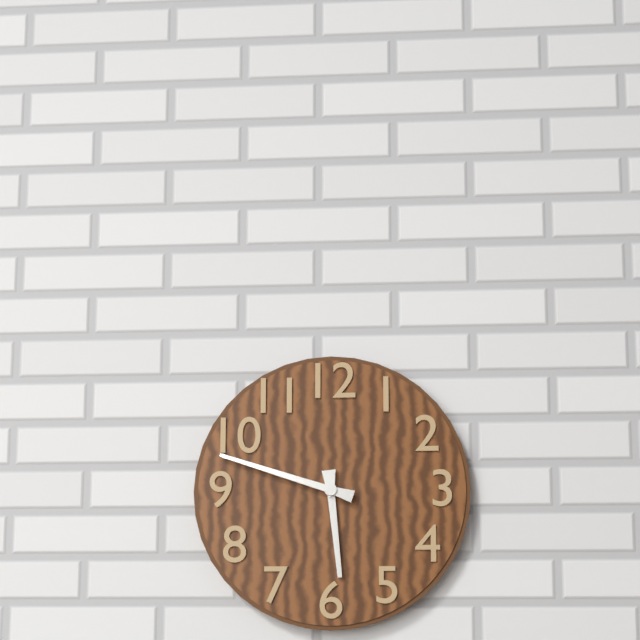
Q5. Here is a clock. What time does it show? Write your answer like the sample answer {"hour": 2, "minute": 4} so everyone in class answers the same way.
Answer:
{"hour": 5, "minute": 48}
